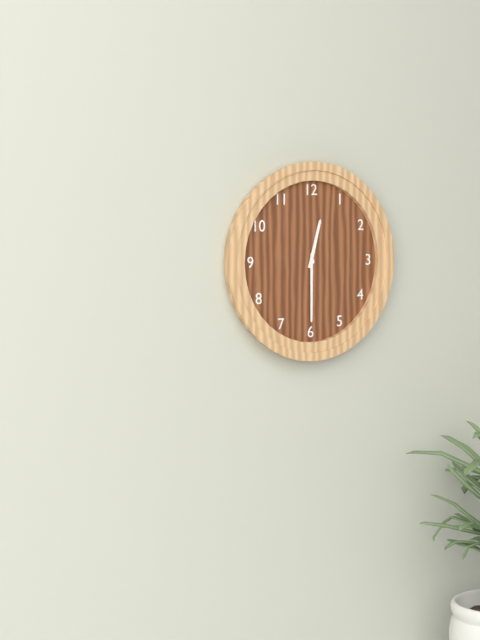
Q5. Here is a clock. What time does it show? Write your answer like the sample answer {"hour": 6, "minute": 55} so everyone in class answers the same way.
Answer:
{"hour": 12, "minute": 30}
